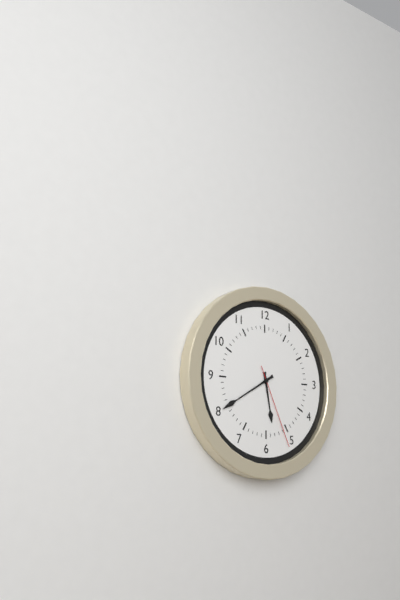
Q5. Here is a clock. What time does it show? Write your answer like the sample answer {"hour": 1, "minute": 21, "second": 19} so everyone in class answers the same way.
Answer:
{"hour": 5, "minute": 40, "second": 26}
